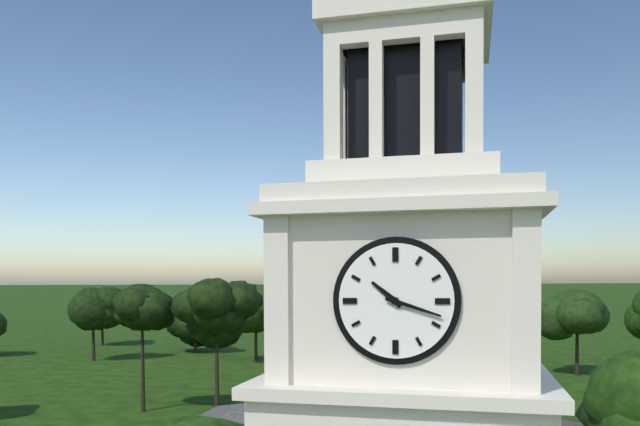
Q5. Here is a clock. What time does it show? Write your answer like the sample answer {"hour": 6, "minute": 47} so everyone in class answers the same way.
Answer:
{"hour": 10, "minute": 18}
